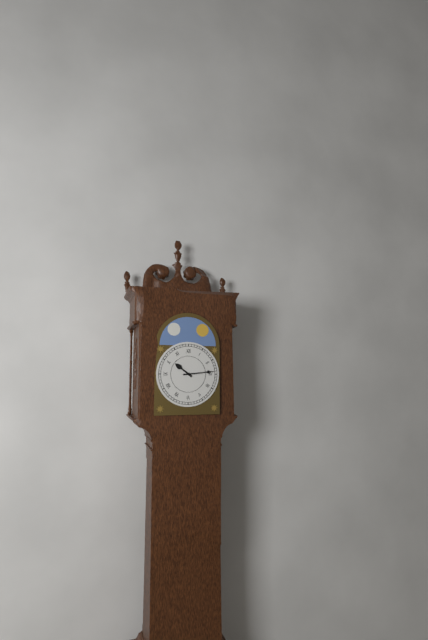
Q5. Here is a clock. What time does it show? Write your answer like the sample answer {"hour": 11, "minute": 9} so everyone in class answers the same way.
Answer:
{"hour": 10, "minute": 14}
